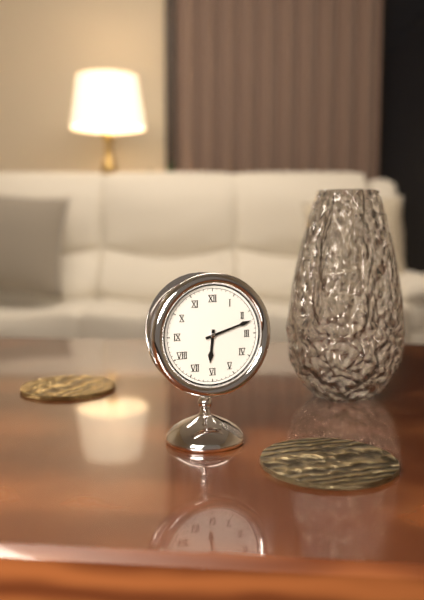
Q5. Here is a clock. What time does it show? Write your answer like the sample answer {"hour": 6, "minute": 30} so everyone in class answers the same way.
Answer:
{"hour": 6, "minute": 12}
